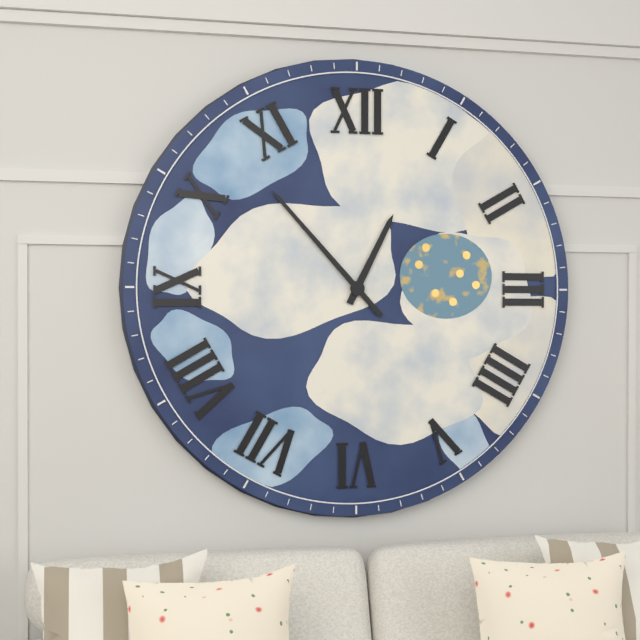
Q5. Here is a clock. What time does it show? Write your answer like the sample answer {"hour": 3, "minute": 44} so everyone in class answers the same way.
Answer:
{"hour": 12, "minute": 53}
